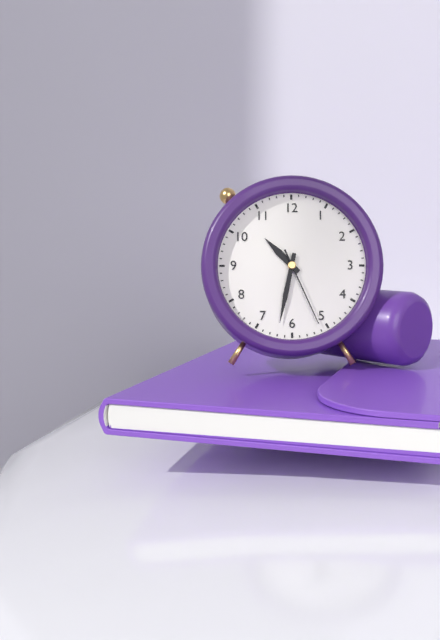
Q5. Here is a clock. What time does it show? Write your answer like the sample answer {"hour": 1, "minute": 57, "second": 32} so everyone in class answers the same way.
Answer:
{"hour": 10, "minute": 32, "second": 26}
